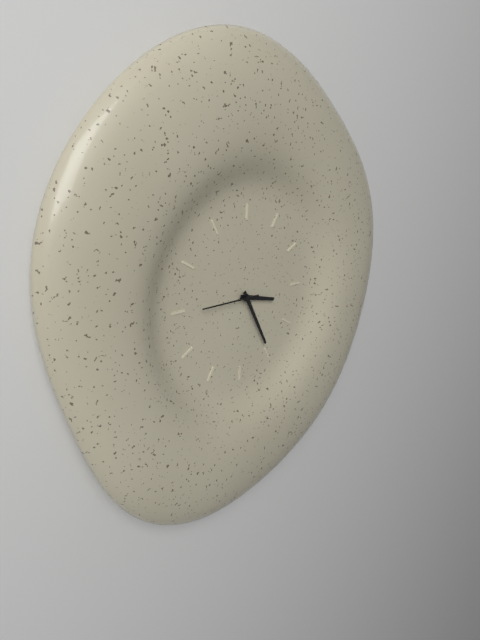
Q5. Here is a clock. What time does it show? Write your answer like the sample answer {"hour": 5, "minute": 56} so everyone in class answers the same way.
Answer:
{"hour": 3, "minute": 25}
